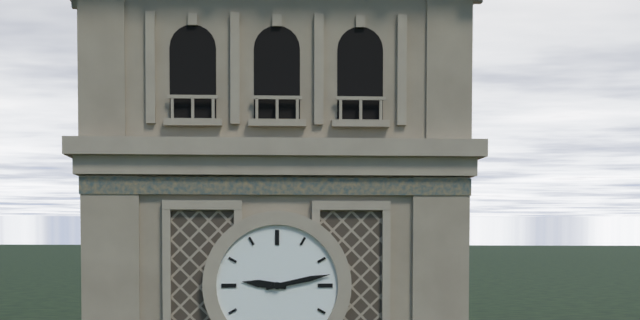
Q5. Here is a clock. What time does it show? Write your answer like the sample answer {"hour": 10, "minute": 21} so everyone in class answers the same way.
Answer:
{"hour": 9, "minute": 13}
